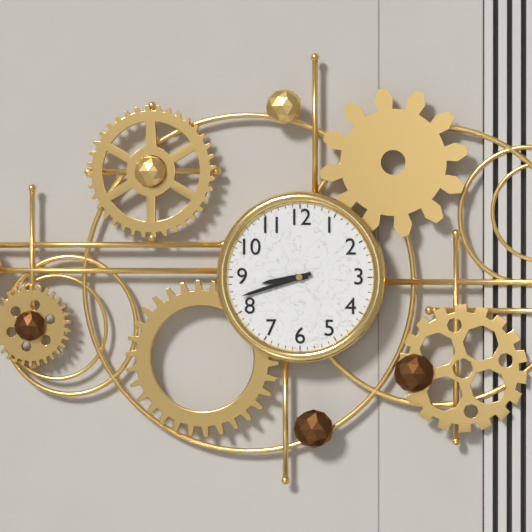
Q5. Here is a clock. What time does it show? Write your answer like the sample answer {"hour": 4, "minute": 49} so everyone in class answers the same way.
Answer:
{"hour": 8, "minute": 42}
